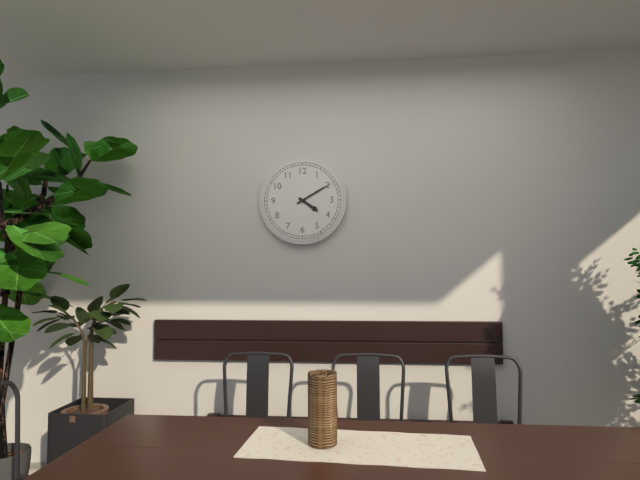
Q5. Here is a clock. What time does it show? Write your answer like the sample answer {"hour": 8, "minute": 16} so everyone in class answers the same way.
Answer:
{"hour": 4, "minute": 10}
